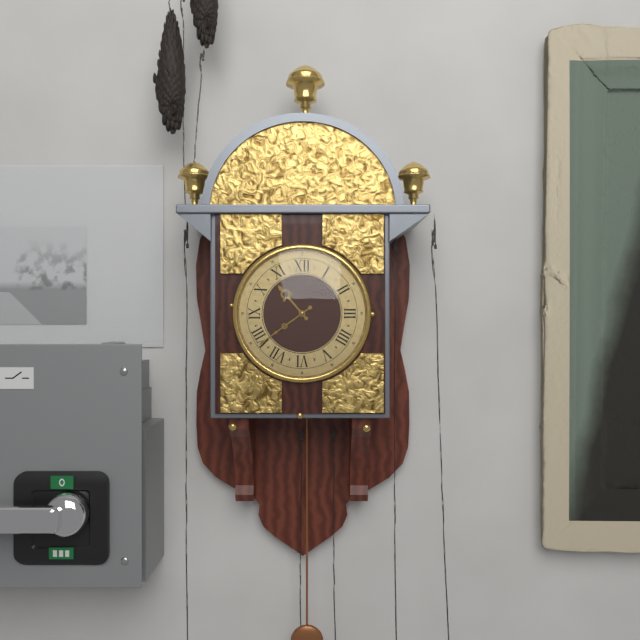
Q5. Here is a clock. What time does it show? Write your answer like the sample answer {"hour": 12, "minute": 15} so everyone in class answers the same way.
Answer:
{"hour": 10, "minute": 39}
